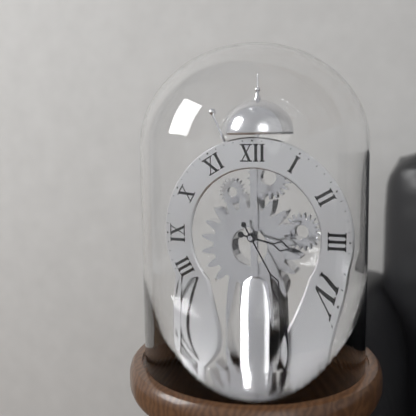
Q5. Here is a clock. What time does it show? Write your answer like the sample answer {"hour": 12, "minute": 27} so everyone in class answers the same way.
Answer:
{"hour": 3, "minute": 25}
